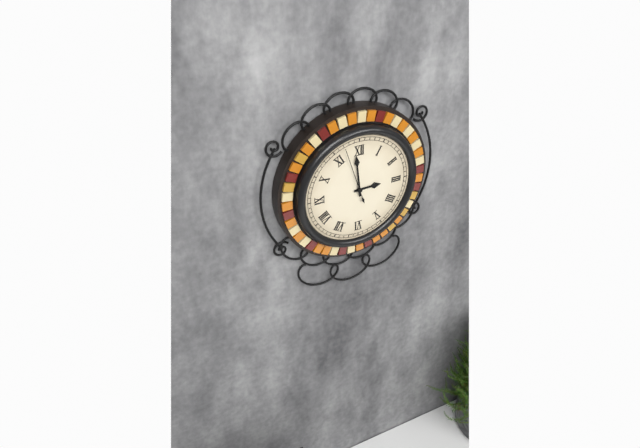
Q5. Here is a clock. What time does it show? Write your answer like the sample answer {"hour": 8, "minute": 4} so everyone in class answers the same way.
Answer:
{"hour": 2, "minute": 59}
